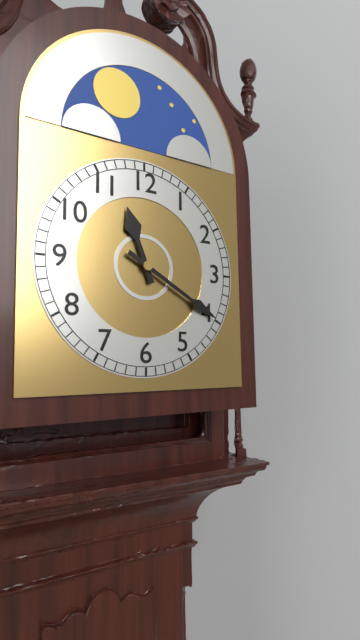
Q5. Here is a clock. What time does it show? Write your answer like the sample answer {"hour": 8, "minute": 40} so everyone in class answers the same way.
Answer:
{"hour": 11, "minute": 20}
